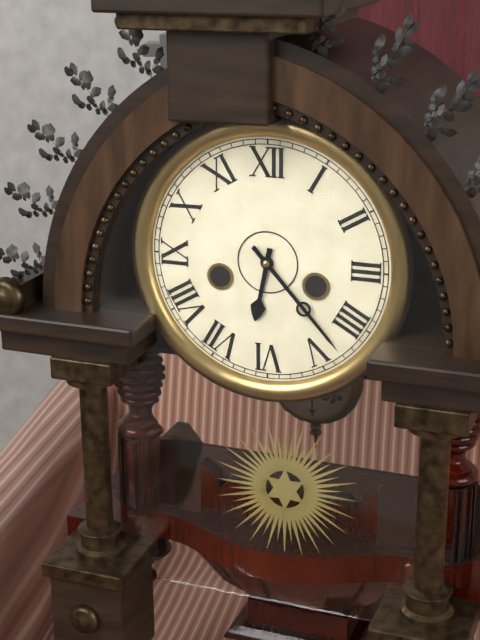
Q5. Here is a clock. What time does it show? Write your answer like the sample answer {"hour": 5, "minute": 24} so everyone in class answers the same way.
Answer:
{"hour": 6, "minute": 23}
